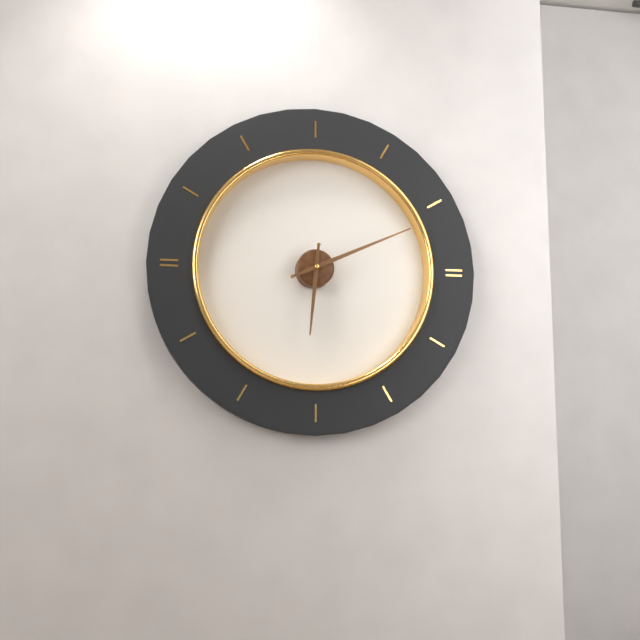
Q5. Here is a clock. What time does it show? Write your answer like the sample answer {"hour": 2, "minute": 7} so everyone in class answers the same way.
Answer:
{"hour": 6, "minute": 11}
